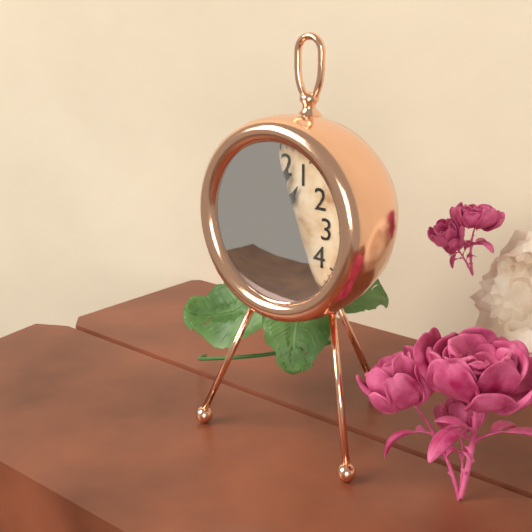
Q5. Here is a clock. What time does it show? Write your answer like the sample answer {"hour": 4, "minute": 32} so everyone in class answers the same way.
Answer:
{"hour": 1, "minute": 2}
